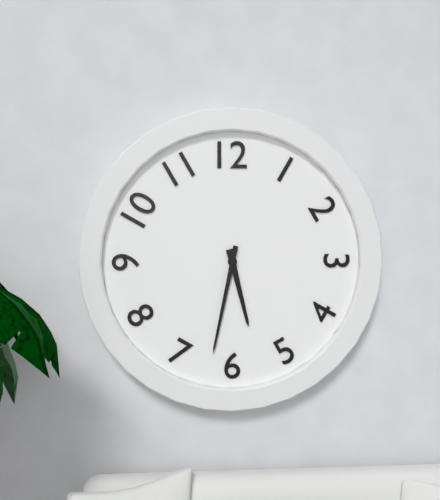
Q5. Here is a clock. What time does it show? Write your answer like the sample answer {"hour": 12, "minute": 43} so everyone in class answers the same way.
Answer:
{"hour": 5, "minute": 32}
